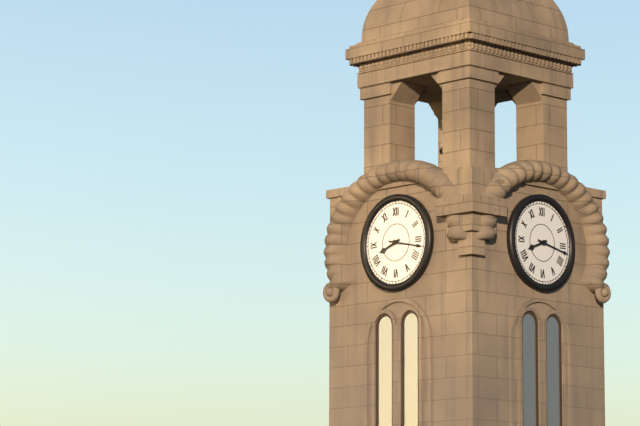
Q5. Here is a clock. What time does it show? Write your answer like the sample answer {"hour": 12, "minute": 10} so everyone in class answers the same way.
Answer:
{"hour": 8, "minute": 17}
